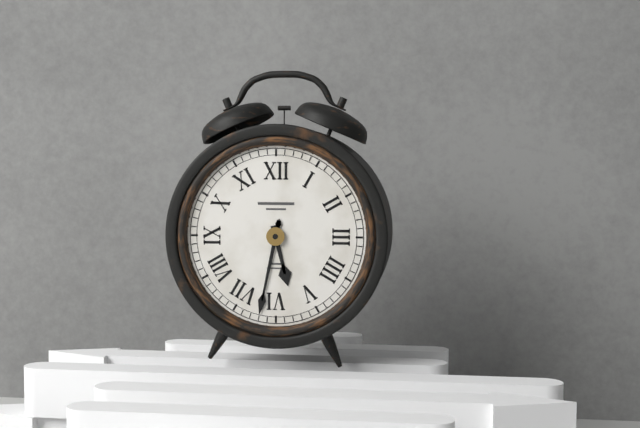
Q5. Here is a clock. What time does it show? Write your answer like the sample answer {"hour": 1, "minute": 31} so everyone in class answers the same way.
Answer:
{"hour": 5, "minute": 32}
